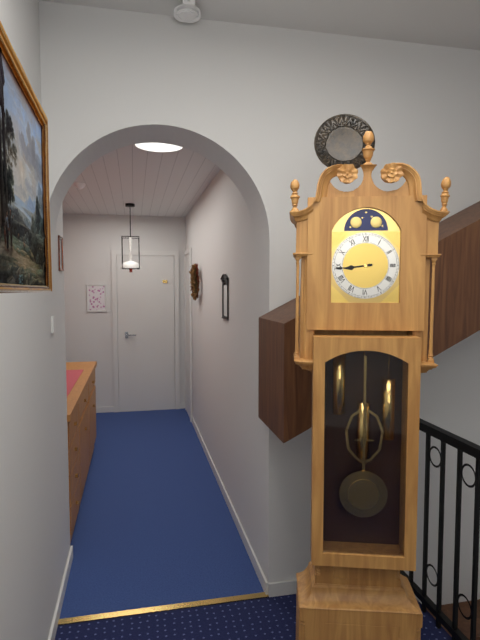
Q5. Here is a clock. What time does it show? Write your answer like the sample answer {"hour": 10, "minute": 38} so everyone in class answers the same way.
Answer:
{"hour": 8, "minute": 44}
